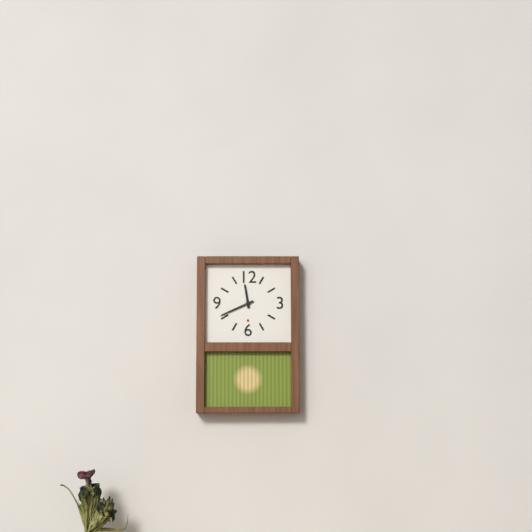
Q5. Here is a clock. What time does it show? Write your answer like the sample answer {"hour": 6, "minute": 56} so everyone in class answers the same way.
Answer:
{"hour": 11, "minute": 41}
